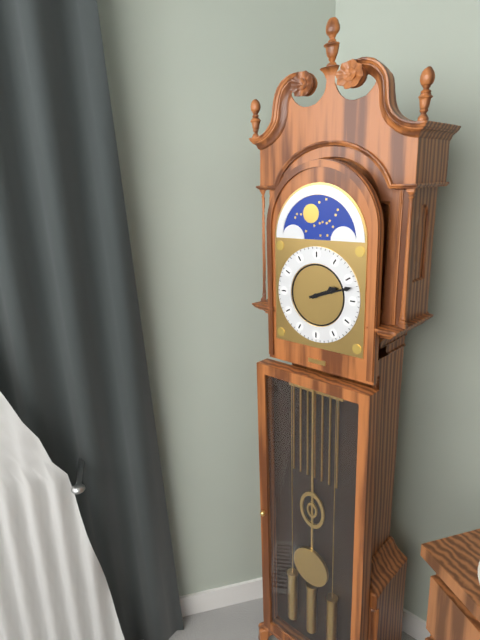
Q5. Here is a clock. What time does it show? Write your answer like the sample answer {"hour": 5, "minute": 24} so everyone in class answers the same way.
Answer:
{"hour": 2, "minute": 12}
